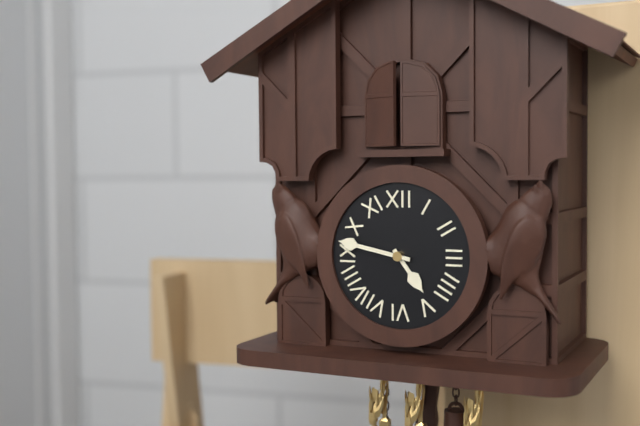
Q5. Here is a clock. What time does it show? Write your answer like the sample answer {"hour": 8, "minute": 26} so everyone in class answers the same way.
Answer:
{"hour": 4, "minute": 47}
